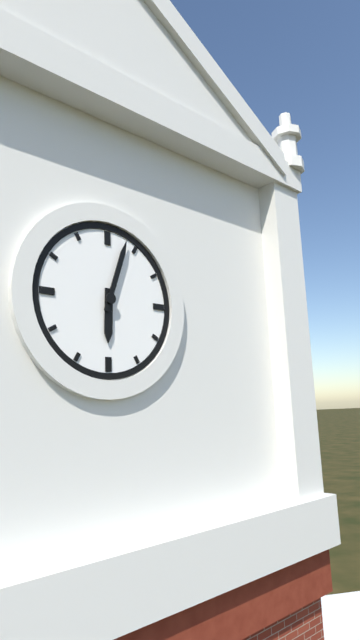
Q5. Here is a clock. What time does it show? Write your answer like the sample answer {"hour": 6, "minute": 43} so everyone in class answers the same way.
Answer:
{"hour": 6, "minute": 3}
